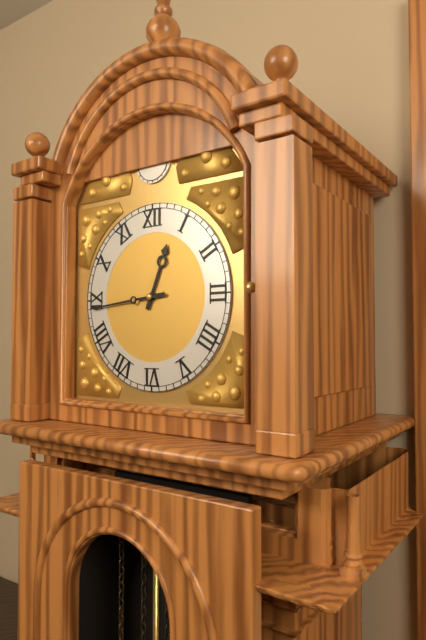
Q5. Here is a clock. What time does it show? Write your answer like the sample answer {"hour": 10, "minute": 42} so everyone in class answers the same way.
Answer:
{"hour": 12, "minute": 44}
